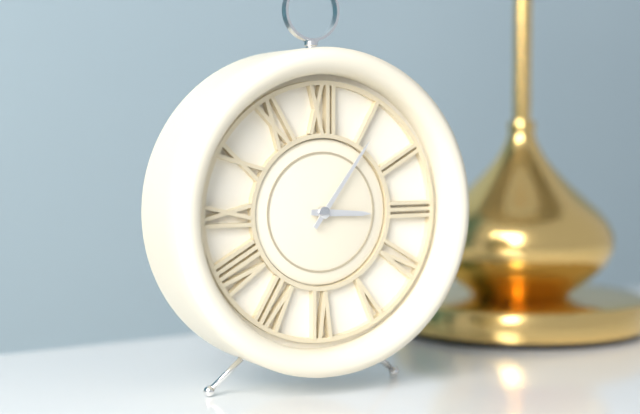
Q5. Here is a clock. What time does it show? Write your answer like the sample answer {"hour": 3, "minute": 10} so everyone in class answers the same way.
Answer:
{"hour": 3, "minute": 6}
